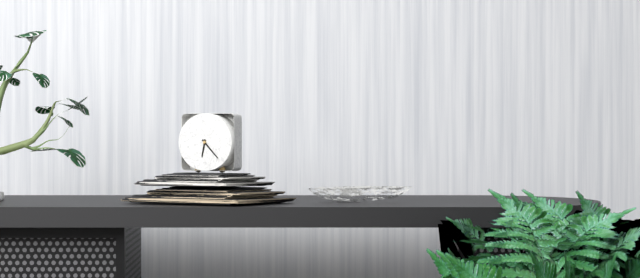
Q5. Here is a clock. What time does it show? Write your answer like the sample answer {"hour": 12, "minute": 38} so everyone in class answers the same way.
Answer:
{"hour": 6, "minute": 23}
